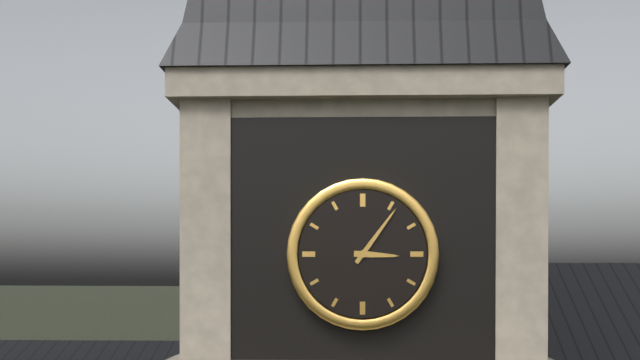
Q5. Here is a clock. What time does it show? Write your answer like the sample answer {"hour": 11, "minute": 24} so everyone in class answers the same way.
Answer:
{"hour": 3, "minute": 6}
